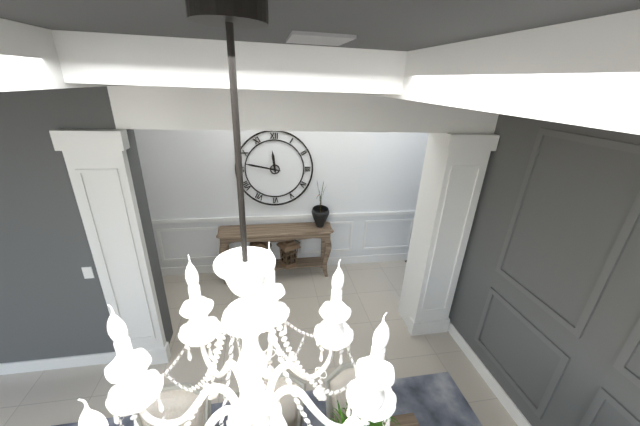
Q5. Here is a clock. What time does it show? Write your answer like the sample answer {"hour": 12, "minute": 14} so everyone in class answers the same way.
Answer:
{"hour": 11, "minute": 47}
